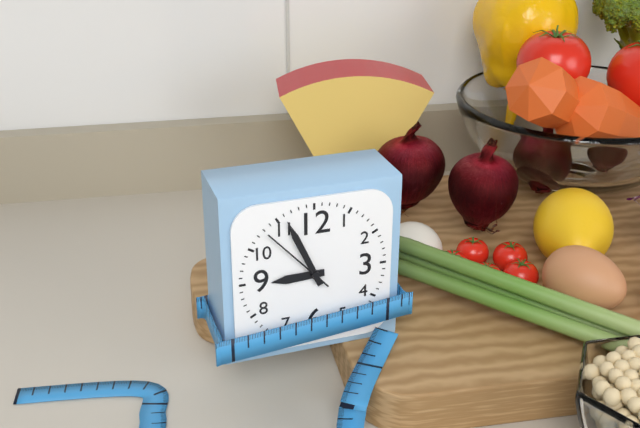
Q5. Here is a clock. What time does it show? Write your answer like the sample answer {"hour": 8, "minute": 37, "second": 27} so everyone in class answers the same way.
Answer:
{"hour": 8, "minute": 56, "second": 53}
